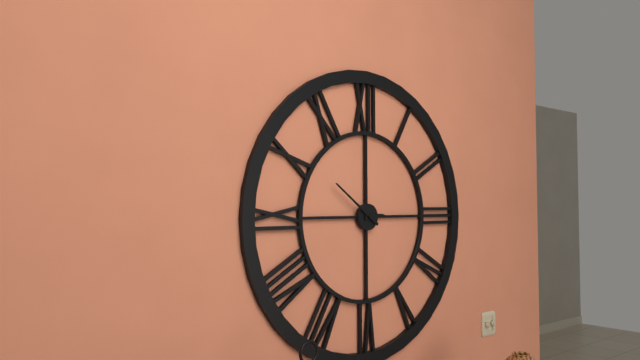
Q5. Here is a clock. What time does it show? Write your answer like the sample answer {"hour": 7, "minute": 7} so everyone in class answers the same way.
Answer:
{"hour": 2, "minute": 51}
